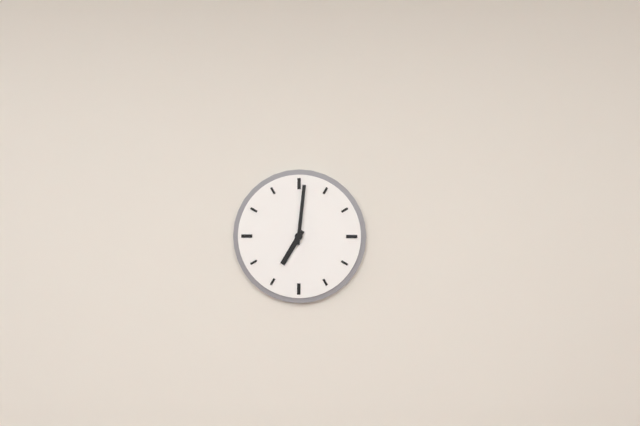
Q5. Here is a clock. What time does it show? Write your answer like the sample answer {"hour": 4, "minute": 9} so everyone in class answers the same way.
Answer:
{"hour": 7, "minute": 1}
